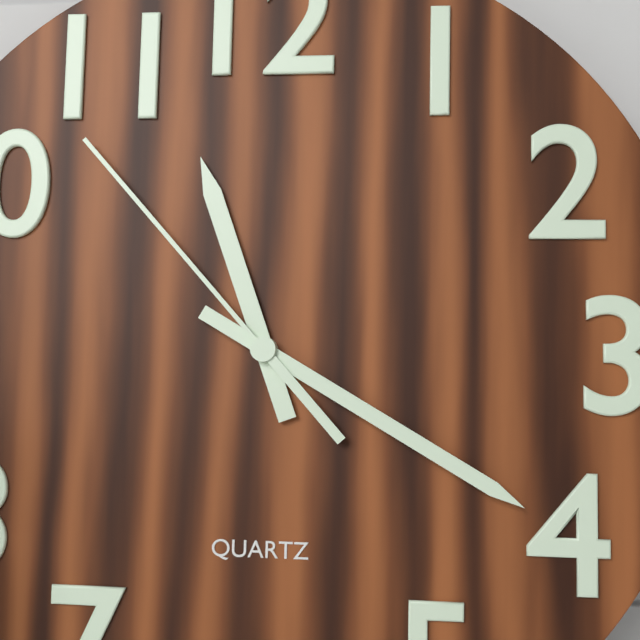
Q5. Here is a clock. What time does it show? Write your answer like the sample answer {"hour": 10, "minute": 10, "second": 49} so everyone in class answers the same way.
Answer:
{"hour": 11, "minute": 20, "second": 53}
